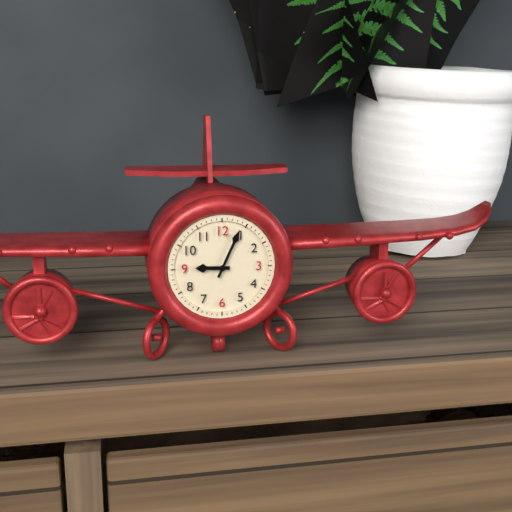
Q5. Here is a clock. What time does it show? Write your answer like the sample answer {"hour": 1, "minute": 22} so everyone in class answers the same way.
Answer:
{"hour": 9, "minute": 4}
